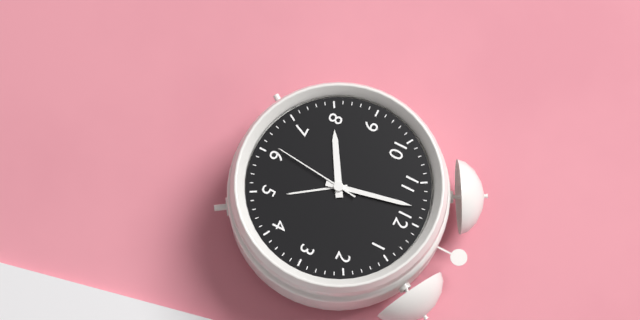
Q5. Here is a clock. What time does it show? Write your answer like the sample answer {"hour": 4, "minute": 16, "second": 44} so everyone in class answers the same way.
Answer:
{"hour": 7, "minute": 58, "second": 31}
